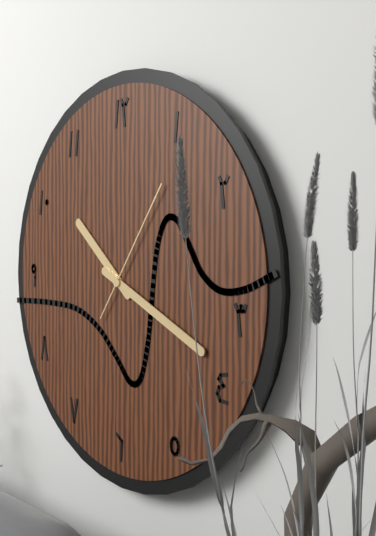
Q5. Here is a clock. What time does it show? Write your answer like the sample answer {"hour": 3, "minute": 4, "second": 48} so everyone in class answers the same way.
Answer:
{"hour": 10, "minute": 19, "second": 6}
